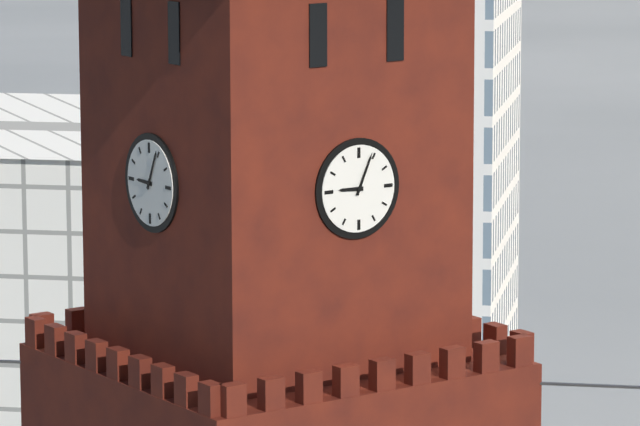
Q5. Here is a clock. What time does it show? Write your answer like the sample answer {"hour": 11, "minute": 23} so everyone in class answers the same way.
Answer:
{"hour": 9, "minute": 4}
